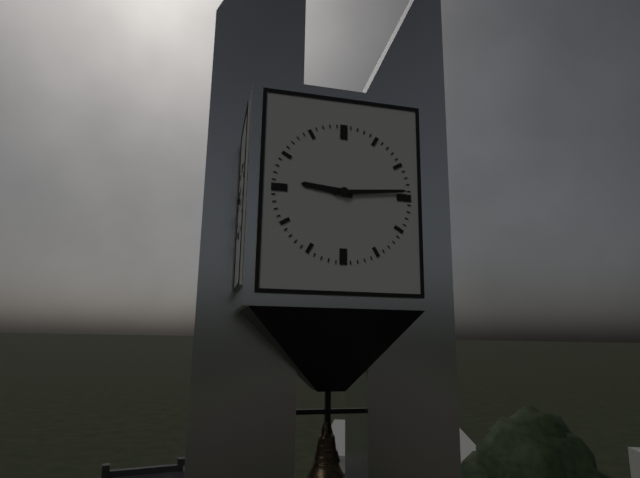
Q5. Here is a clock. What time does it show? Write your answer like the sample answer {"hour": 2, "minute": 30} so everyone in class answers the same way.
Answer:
{"hour": 9, "minute": 14}
